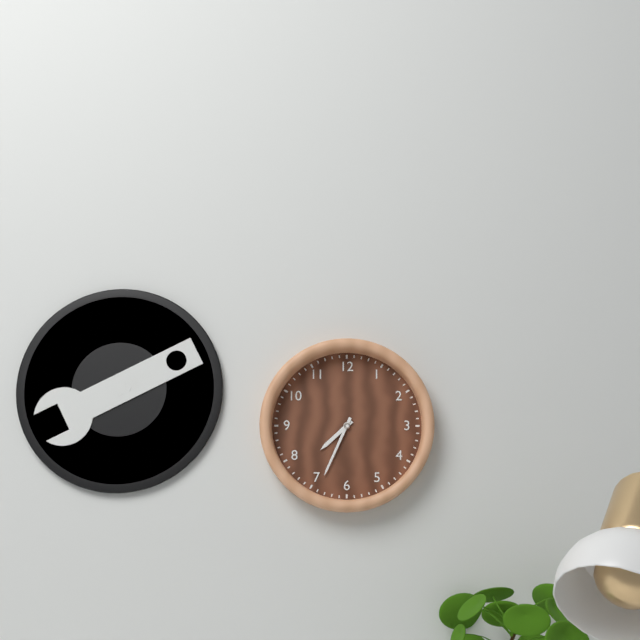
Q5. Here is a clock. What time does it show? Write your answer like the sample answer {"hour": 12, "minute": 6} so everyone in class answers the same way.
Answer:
{"hour": 7, "minute": 34}
